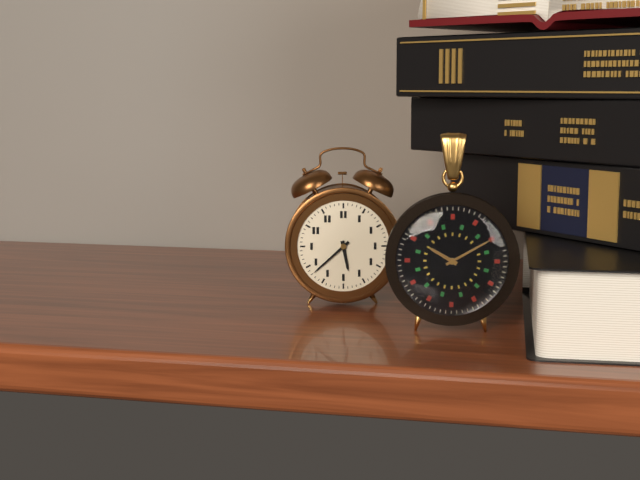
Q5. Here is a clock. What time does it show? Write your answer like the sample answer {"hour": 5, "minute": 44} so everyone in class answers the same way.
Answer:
{"hour": 5, "minute": 38}
